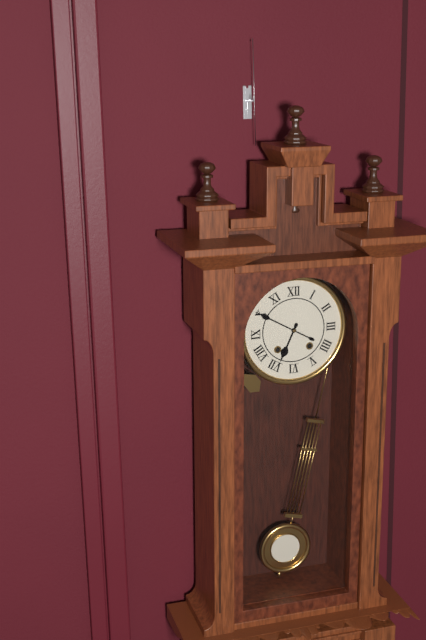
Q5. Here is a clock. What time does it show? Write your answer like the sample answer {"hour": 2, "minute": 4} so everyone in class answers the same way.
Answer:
{"hour": 6, "minute": 50}
